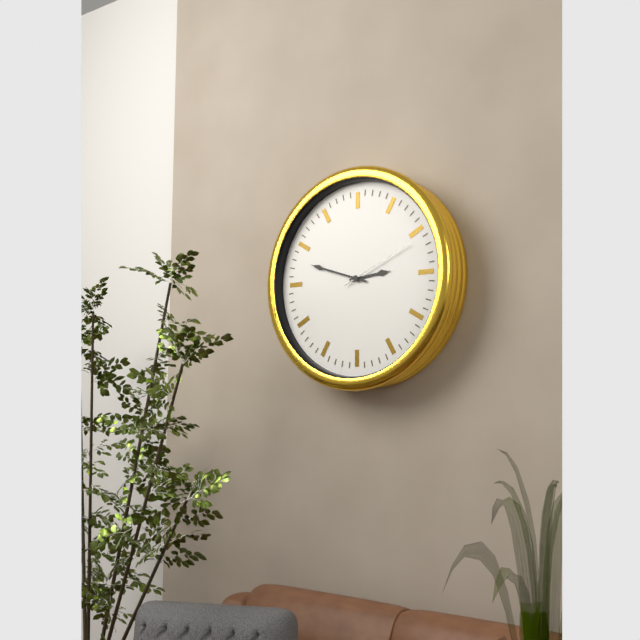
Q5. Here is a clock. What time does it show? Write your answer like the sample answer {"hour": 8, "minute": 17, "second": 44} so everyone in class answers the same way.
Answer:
{"hour": 2, "minute": 48, "second": 11}
